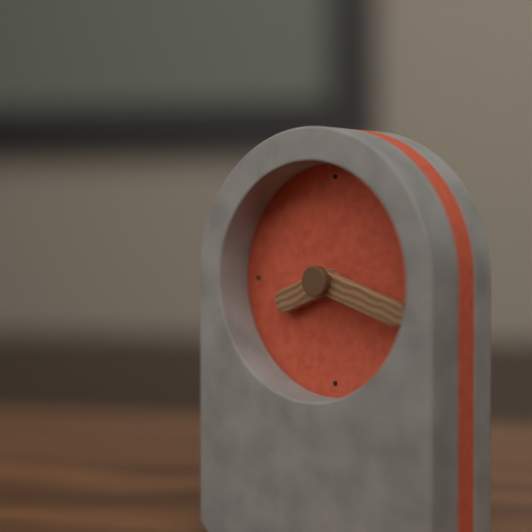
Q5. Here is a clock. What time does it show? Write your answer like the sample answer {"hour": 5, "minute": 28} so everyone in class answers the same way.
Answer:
{"hour": 8, "minute": 18}
